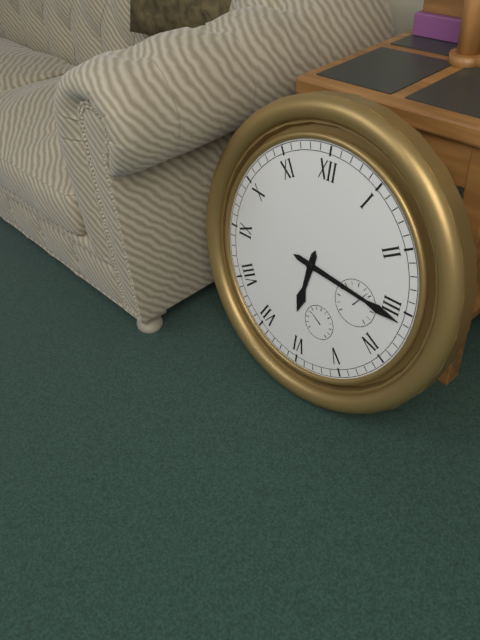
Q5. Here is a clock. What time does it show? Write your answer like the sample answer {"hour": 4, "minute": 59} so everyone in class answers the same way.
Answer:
{"hour": 6, "minute": 16}
